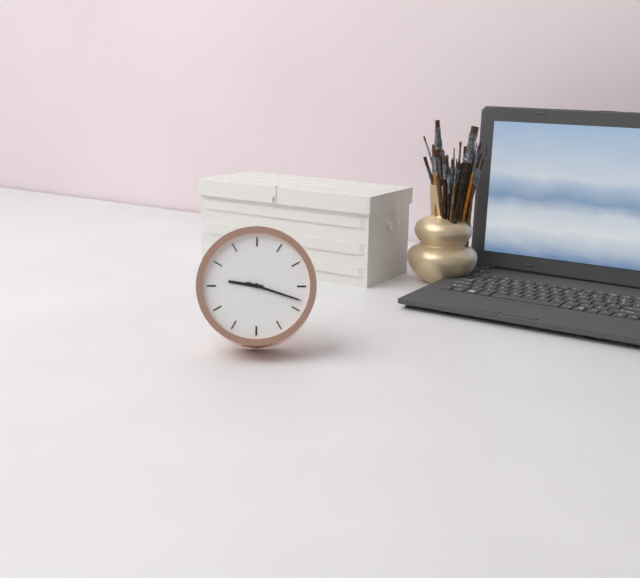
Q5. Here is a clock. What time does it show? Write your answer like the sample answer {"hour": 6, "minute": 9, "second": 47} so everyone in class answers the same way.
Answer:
{"hour": 9, "minute": 18, "second": 18}
